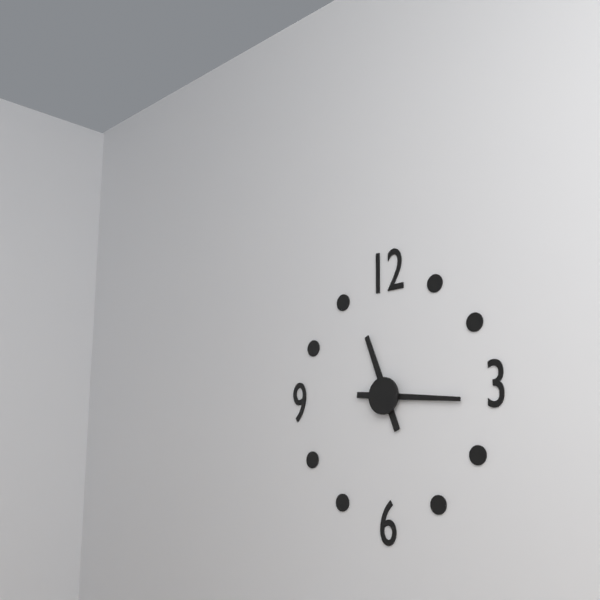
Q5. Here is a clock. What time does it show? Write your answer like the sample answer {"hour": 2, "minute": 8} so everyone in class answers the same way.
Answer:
{"hour": 11, "minute": 16}
